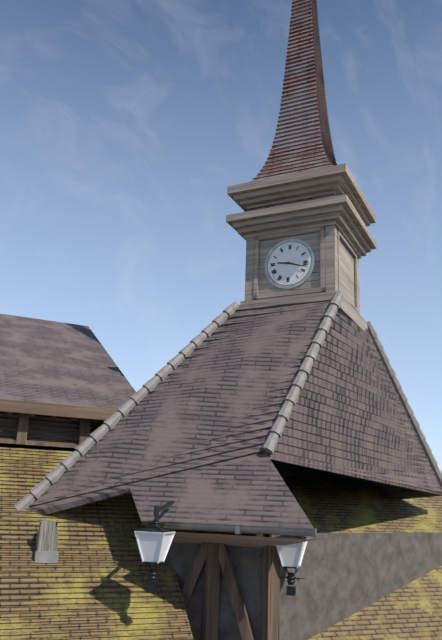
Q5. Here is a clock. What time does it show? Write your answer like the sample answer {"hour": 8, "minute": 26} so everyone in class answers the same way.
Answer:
{"hour": 9, "minute": 18}
